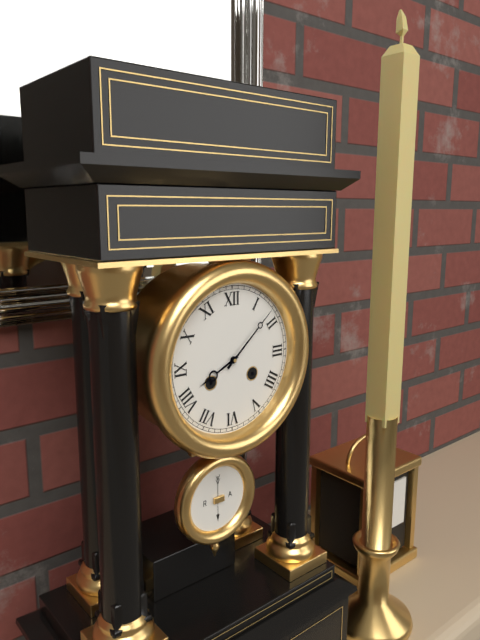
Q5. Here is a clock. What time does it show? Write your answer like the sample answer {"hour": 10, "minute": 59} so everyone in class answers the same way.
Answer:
{"hour": 8, "minute": 8}
